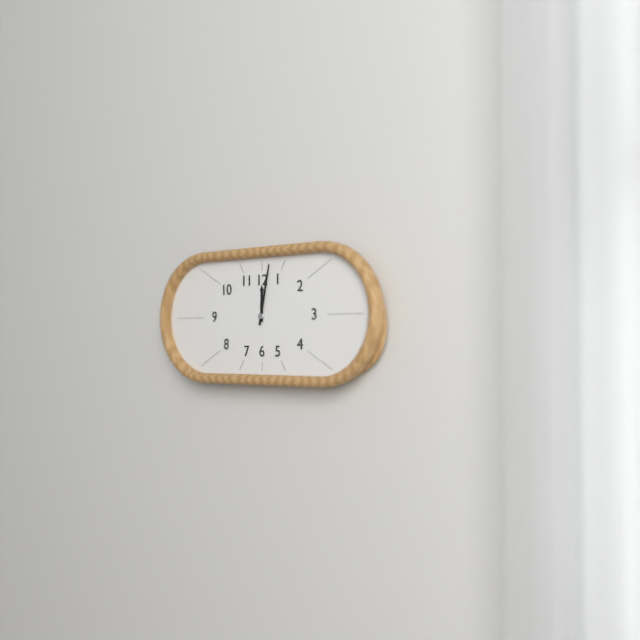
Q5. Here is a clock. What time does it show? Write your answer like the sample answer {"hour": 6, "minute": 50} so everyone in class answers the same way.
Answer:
{"hour": 12, "minute": 2}
